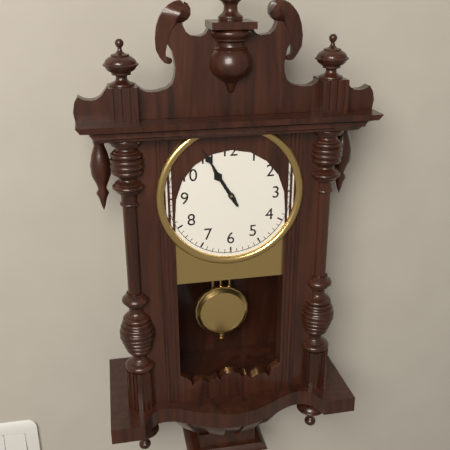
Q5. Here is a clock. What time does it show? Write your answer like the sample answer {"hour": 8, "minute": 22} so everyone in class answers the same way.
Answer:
{"hour": 10, "minute": 55}
